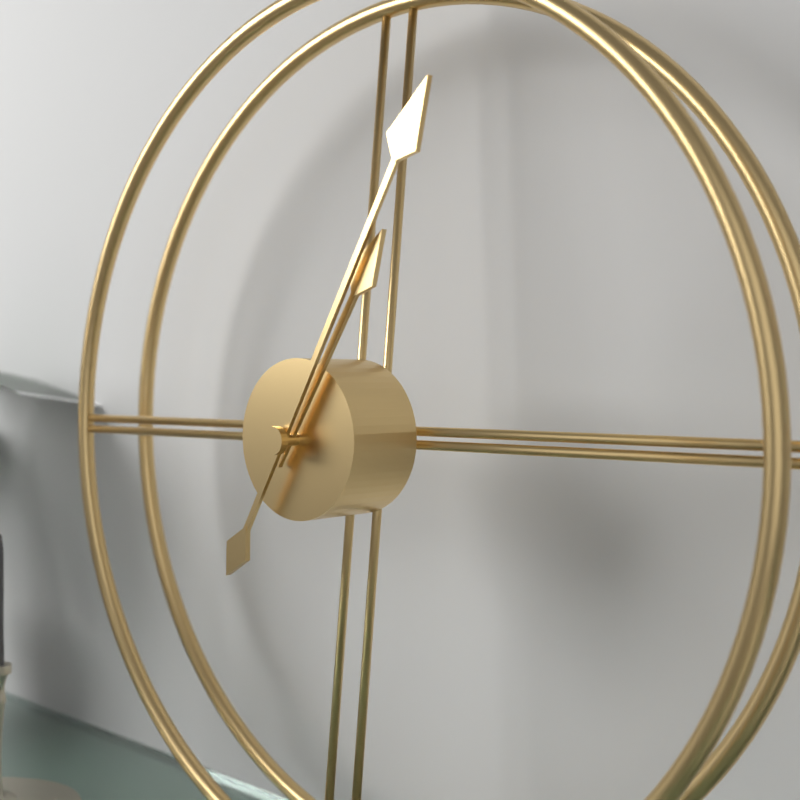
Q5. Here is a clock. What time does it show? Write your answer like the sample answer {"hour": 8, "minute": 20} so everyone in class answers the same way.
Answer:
{"hour": 1, "minute": 5}
